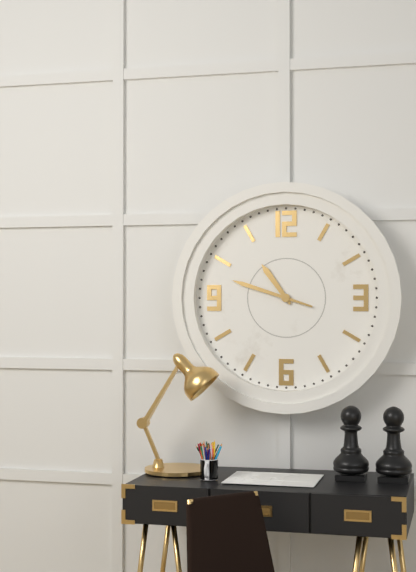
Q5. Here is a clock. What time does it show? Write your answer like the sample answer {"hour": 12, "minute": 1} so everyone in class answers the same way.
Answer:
{"hour": 10, "minute": 48}
